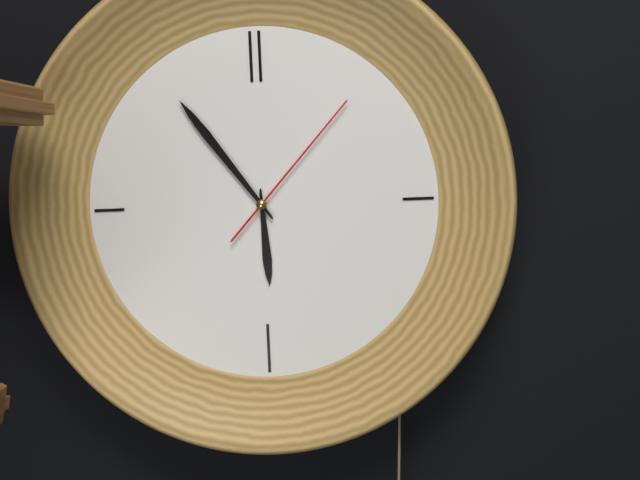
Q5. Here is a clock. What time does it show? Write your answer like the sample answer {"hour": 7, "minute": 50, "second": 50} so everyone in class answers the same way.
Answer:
{"hour": 5, "minute": 54, "second": 7}
